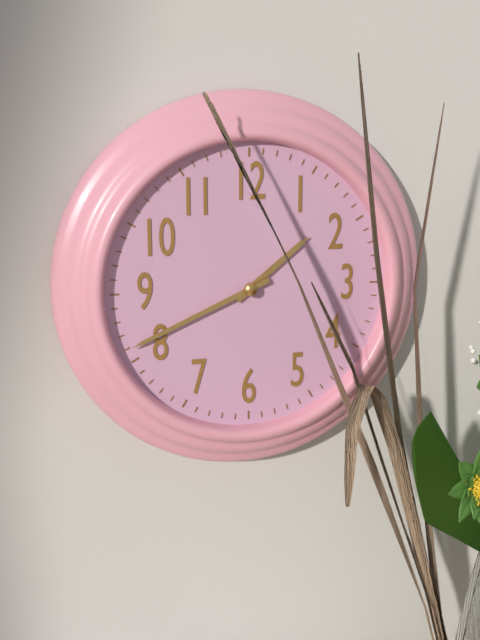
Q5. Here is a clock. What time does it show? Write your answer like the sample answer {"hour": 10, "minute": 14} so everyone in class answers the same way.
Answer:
{"hour": 1, "minute": 41}
